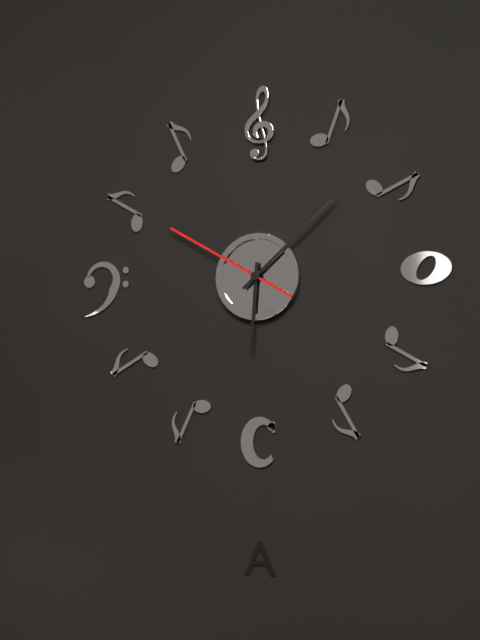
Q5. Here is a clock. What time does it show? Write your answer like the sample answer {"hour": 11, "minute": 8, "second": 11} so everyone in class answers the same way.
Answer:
{"hour": 6, "minute": 8, "second": 50}
